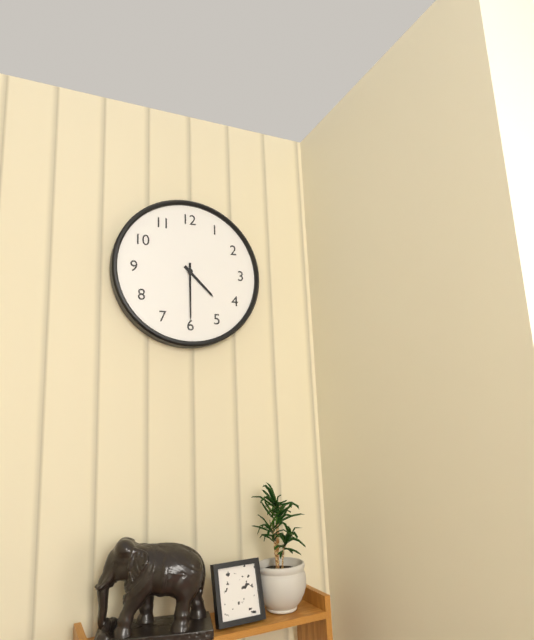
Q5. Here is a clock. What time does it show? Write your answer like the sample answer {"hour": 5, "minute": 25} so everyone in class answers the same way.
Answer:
{"hour": 4, "minute": 30}
